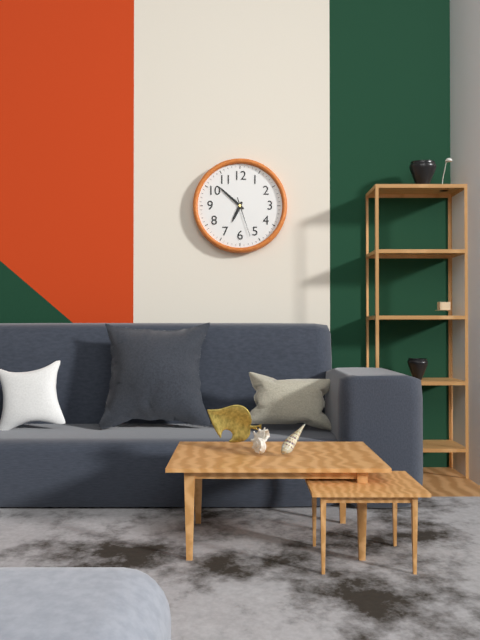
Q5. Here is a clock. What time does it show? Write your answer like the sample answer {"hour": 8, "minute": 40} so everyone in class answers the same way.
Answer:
{"hour": 6, "minute": 52}
